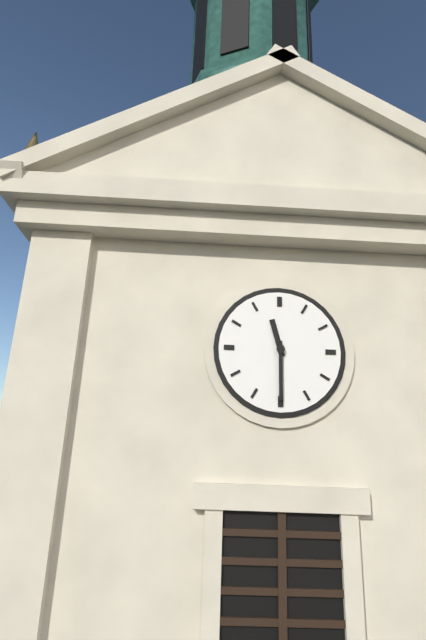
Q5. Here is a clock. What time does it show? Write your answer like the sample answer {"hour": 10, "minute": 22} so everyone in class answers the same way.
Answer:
{"hour": 11, "minute": 30}
